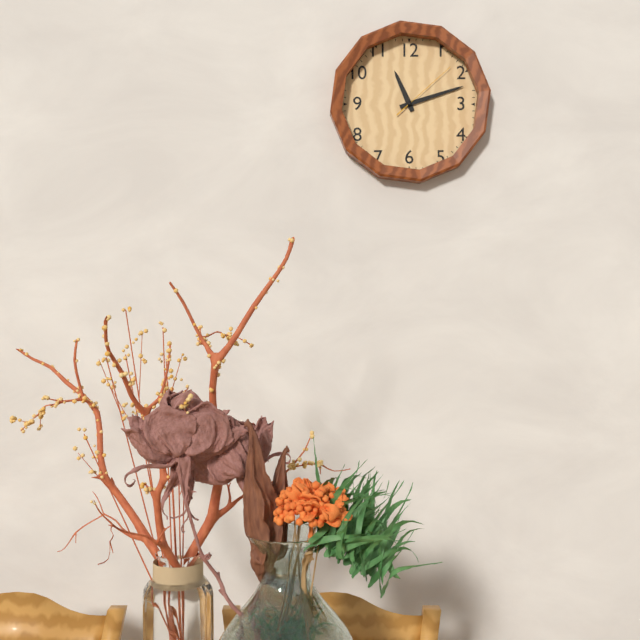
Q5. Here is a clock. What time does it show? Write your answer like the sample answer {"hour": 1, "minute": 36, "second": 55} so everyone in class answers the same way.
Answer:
{"hour": 11, "minute": 12, "second": 8}
